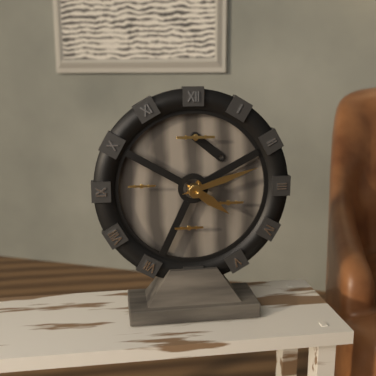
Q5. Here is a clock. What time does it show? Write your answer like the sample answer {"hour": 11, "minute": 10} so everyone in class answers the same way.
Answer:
{"hour": 4, "minute": 12}
